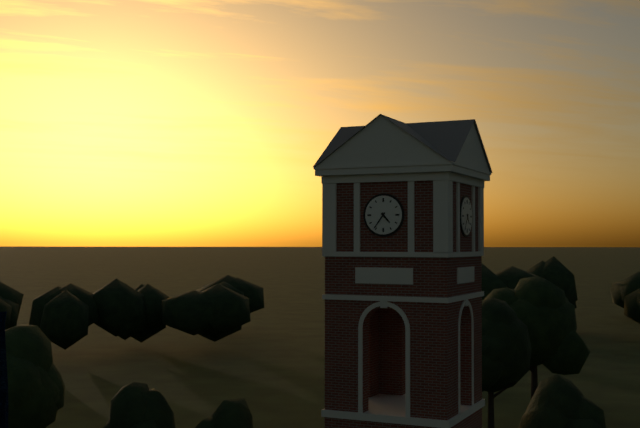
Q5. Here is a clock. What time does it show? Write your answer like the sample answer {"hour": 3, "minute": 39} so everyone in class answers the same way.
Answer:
{"hour": 4, "minute": 36}
